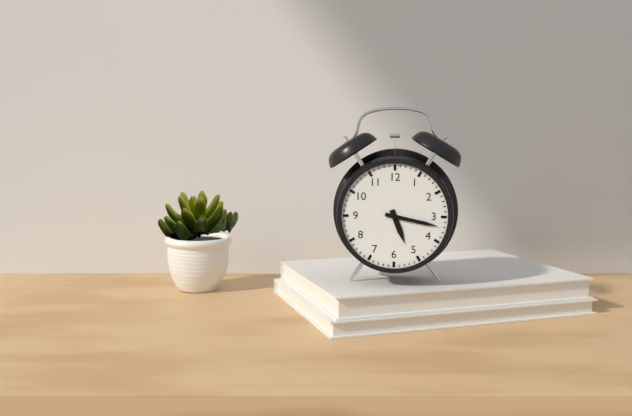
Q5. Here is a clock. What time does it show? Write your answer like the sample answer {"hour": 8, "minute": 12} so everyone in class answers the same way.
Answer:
{"hour": 5, "minute": 17}
